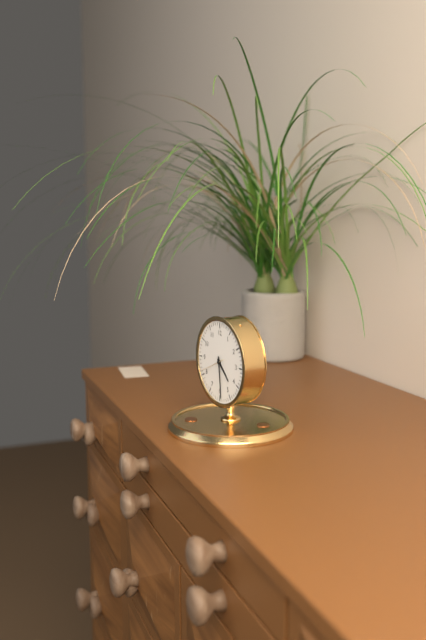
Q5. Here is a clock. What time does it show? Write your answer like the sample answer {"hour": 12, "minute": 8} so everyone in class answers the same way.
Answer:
{"hour": 4, "minute": 29}
